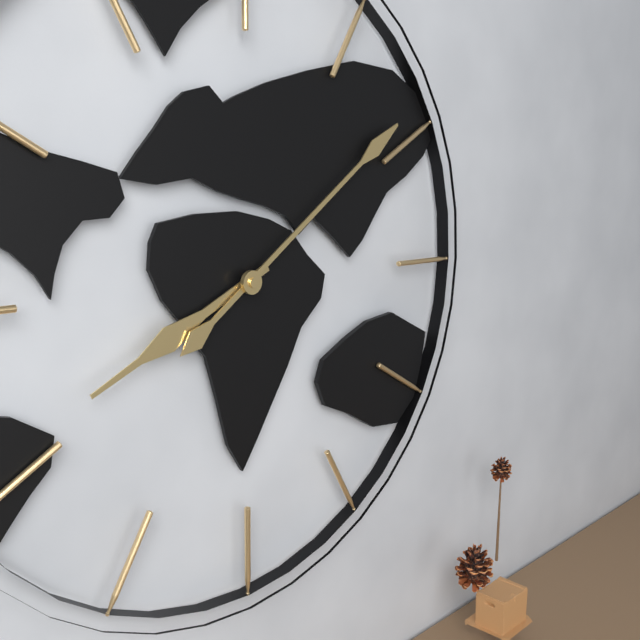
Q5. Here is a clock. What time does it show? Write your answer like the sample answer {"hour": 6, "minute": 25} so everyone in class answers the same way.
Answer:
{"hour": 8, "minute": 9}
